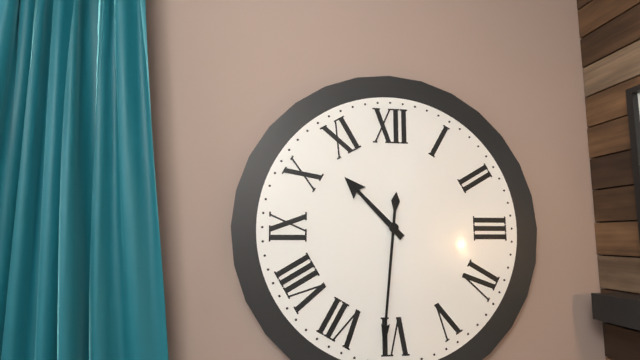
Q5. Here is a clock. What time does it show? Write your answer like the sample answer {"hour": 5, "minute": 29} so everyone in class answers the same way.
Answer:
{"hour": 10, "minute": 31}
